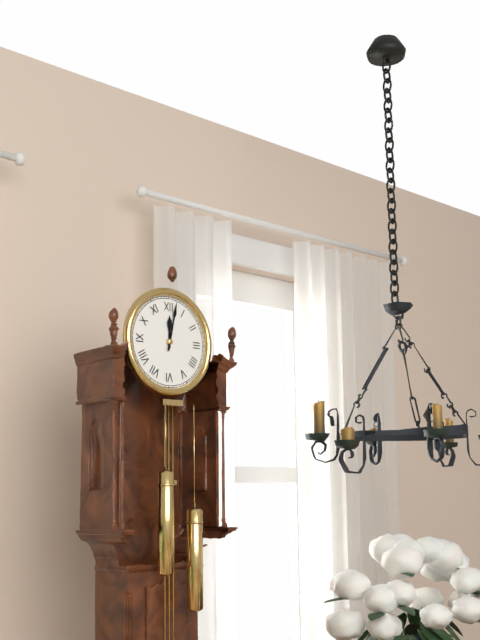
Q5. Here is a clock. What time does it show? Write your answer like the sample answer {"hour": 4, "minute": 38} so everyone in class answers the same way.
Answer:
{"hour": 12, "minute": 2}
